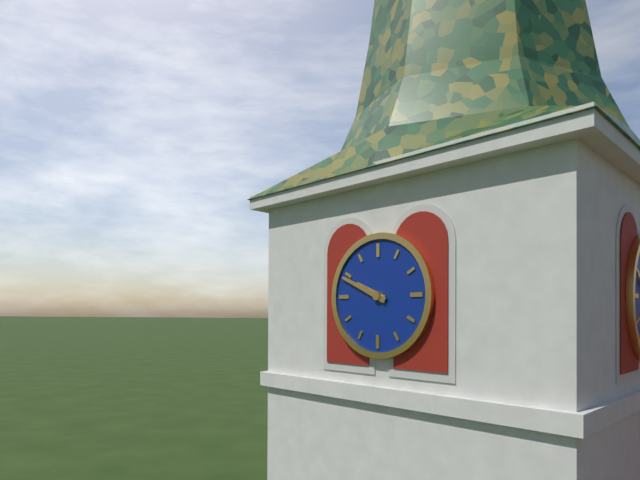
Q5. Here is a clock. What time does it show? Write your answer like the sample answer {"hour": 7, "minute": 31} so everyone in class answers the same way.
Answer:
{"hour": 9, "minute": 49}
